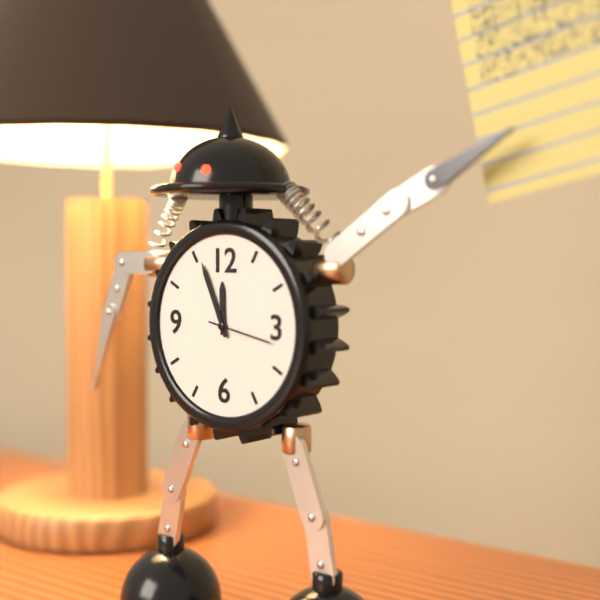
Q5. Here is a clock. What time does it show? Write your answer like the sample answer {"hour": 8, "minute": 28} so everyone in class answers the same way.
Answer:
{"hour": 11, "minute": 56}
